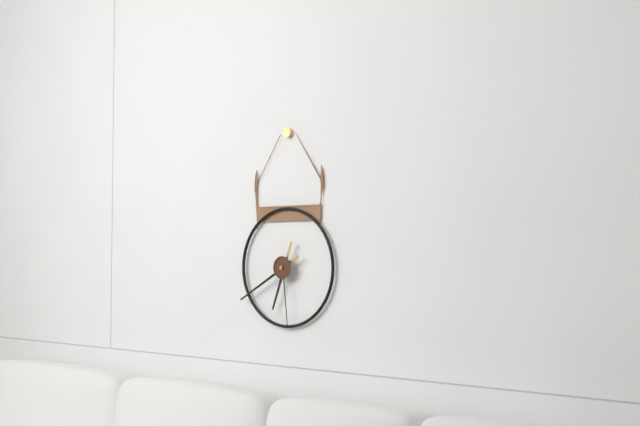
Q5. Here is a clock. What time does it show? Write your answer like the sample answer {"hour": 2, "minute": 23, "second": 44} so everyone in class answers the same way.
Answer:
{"hour": 6, "minute": 40, "second": 29}
